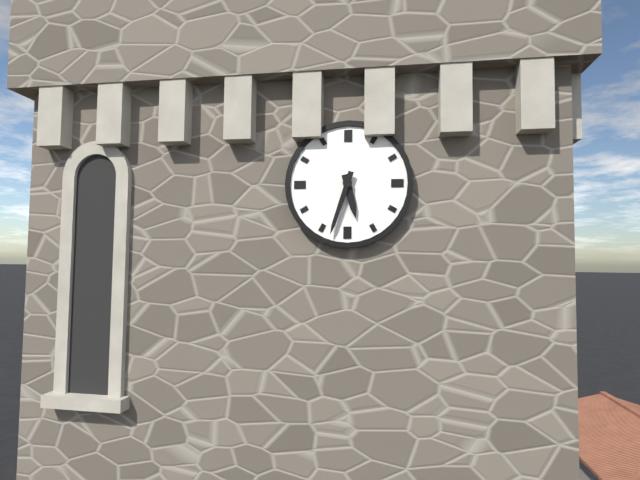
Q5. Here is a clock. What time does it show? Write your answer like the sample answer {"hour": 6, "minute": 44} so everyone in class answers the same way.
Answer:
{"hour": 5, "minute": 33}
